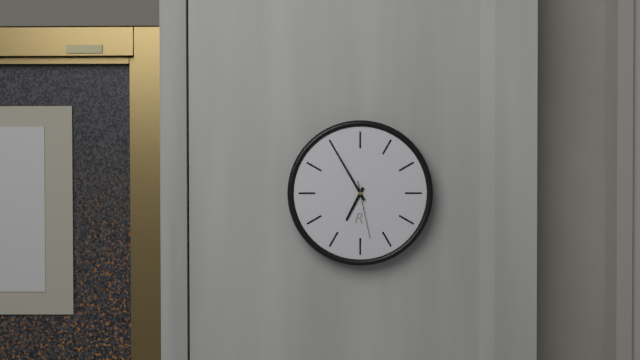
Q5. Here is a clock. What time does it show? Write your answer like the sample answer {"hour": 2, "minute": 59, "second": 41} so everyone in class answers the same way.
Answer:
{"hour": 6, "minute": 55, "second": 28}
